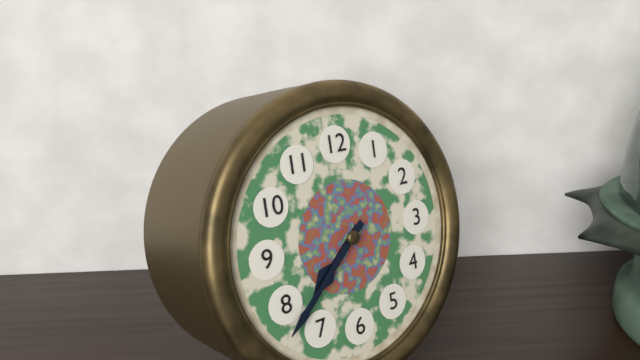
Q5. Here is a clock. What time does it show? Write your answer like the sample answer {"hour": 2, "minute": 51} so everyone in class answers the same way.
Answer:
{"hour": 7, "minute": 38}
